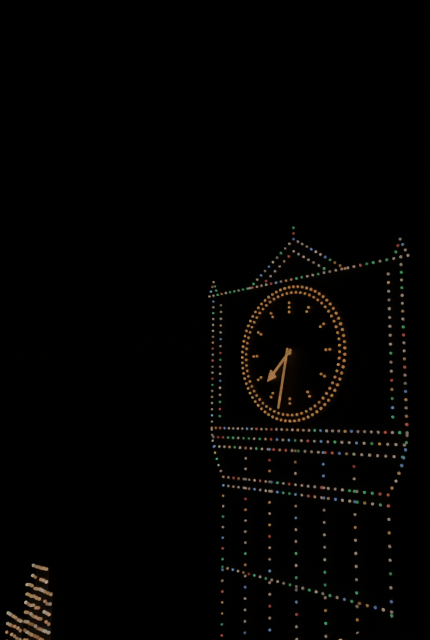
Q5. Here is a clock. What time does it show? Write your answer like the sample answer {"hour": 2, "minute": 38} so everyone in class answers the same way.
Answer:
{"hour": 7, "minute": 32}
